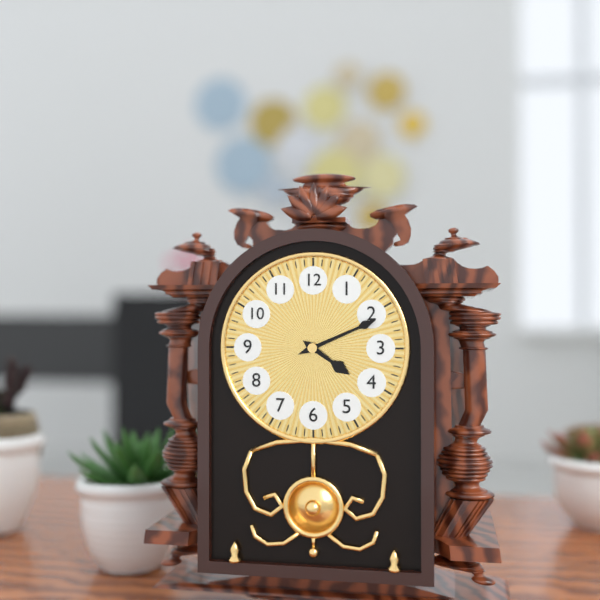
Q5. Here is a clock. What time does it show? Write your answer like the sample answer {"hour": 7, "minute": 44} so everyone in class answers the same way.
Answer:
{"hour": 4, "minute": 11}
